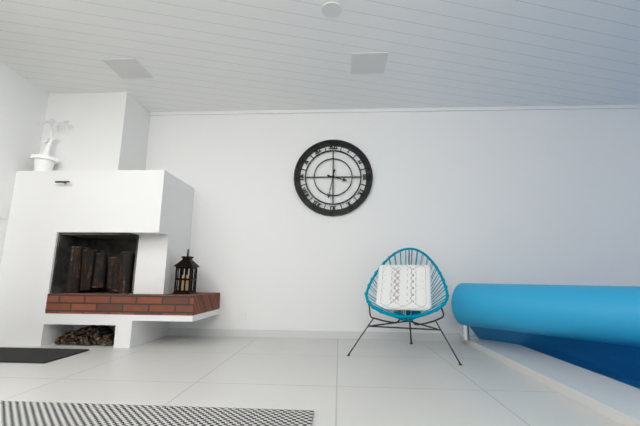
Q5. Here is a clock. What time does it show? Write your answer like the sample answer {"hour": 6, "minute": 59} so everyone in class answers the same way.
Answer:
{"hour": 3, "minute": 32}
